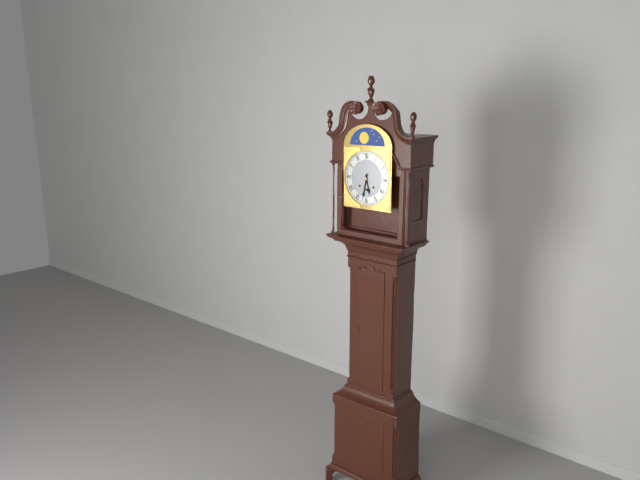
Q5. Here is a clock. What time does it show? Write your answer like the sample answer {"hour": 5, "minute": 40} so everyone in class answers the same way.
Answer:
{"hour": 5, "minute": 32}
